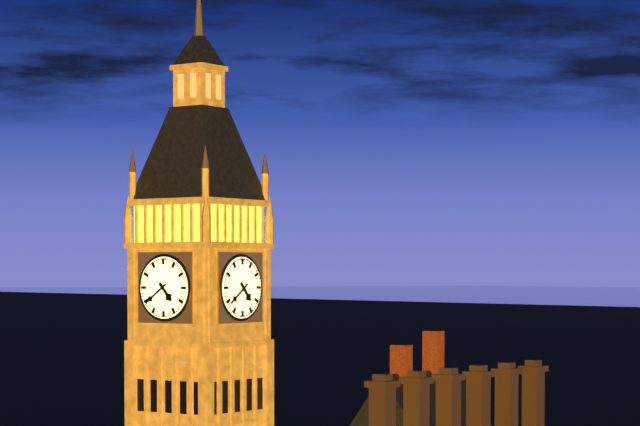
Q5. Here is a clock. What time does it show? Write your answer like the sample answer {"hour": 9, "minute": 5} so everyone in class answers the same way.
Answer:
{"hour": 4, "minute": 39}
